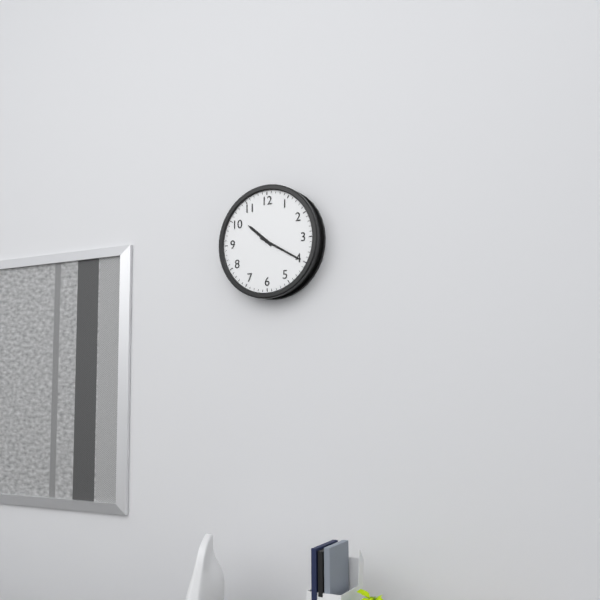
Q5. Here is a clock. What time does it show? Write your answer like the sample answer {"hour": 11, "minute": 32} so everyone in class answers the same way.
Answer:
{"hour": 10, "minute": 20}
